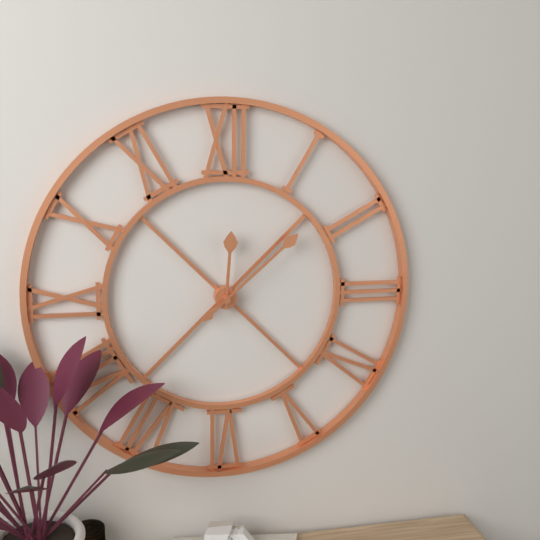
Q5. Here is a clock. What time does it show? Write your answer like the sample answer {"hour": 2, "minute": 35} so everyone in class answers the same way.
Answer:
{"hour": 12, "minute": 8}
